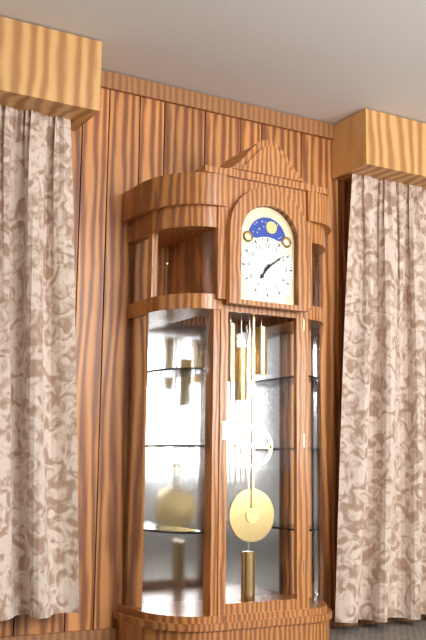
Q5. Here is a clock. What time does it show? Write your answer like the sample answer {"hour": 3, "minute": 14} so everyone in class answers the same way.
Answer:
{"hour": 7, "minute": 9}
